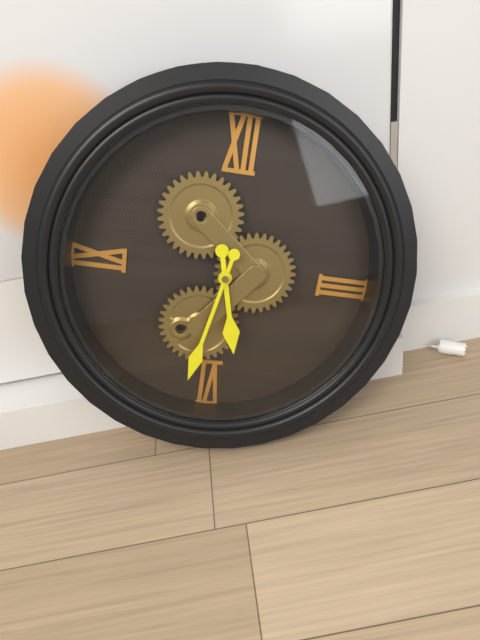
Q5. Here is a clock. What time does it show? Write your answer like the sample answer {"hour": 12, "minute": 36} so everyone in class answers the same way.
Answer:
{"hour": 5, "minute": 32}
